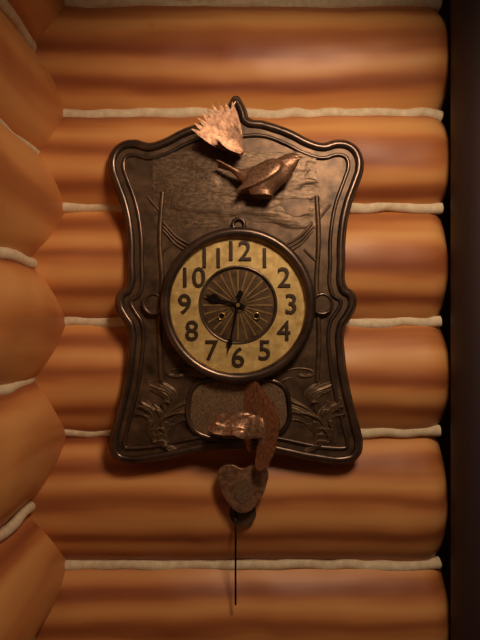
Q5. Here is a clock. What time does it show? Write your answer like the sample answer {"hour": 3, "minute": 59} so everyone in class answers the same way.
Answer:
{"hour": 9, "minute": 32}
